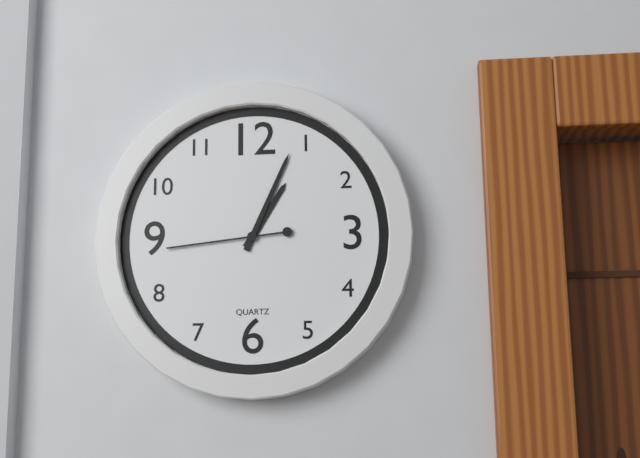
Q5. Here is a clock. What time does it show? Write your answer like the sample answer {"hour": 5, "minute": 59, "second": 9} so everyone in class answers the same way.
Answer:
{"hour": 1, "minute": 4, "second": 44}
